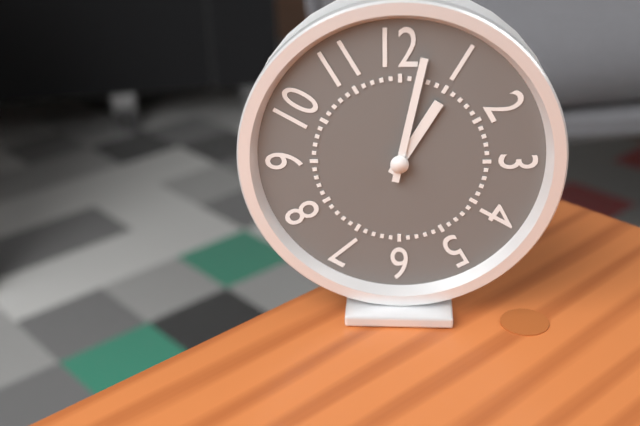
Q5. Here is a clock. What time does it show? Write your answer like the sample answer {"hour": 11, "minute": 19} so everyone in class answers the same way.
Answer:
{"hour": 1, "minute": 2}
